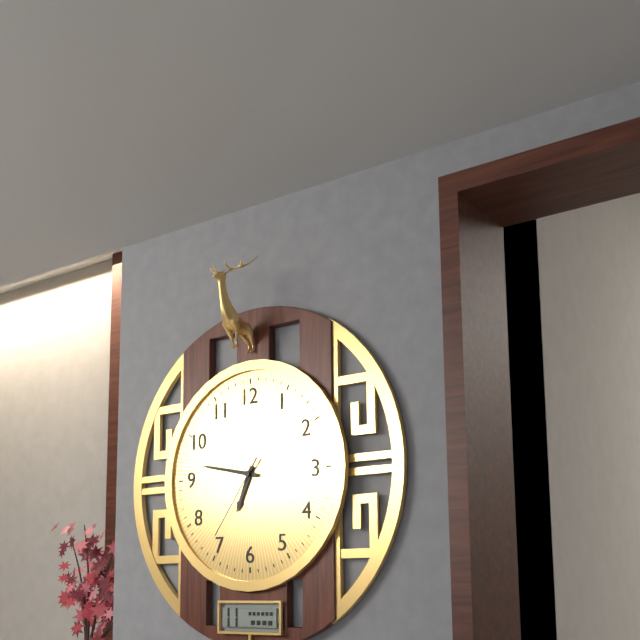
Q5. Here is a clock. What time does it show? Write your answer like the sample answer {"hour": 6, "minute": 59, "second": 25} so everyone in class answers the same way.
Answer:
{"hour": 6, "minute": 47, "second": 36}
